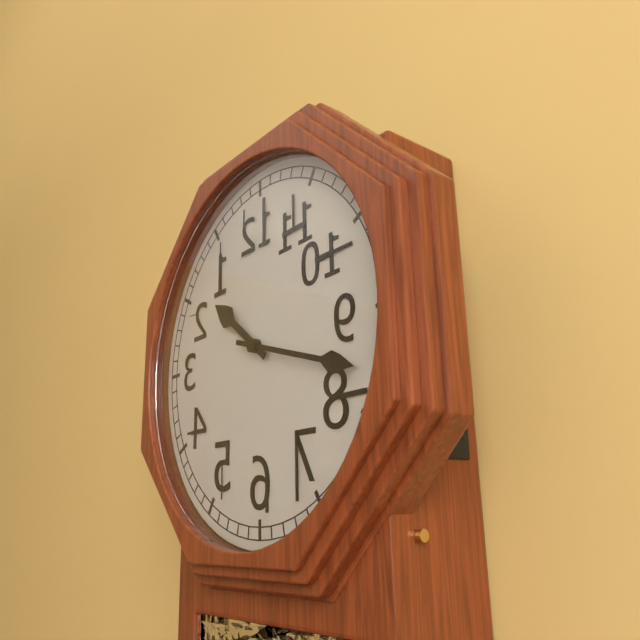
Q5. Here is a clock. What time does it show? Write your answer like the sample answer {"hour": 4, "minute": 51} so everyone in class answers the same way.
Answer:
{"hour": 10, "minute": 18}
